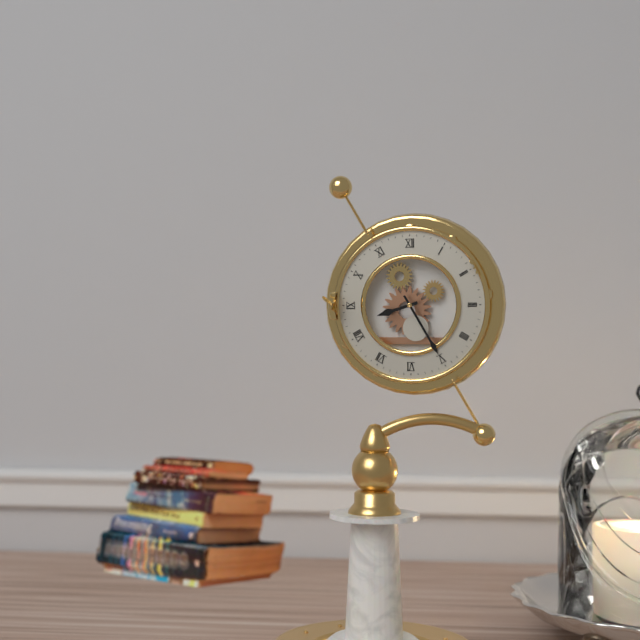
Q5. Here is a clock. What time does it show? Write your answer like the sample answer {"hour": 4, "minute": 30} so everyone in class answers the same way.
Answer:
{"hour": 8, "minute": 25}
